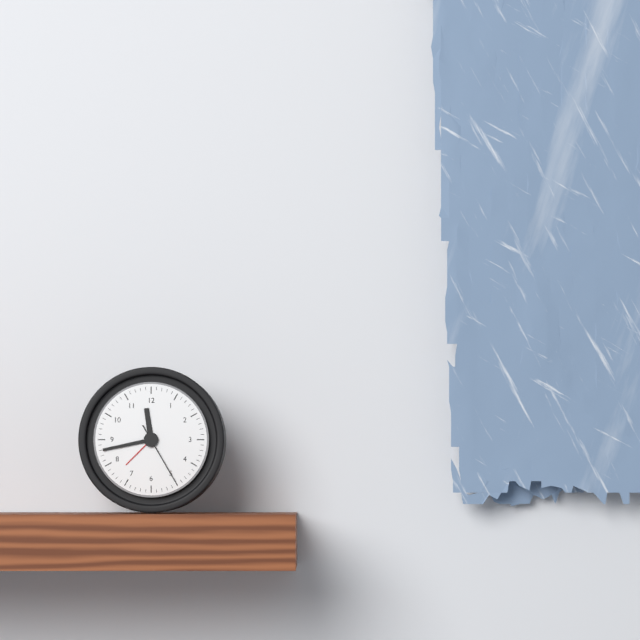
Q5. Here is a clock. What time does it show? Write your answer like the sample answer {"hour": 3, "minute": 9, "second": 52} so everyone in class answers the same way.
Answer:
{"hour": 11, "minute": 43, "second": 25}
